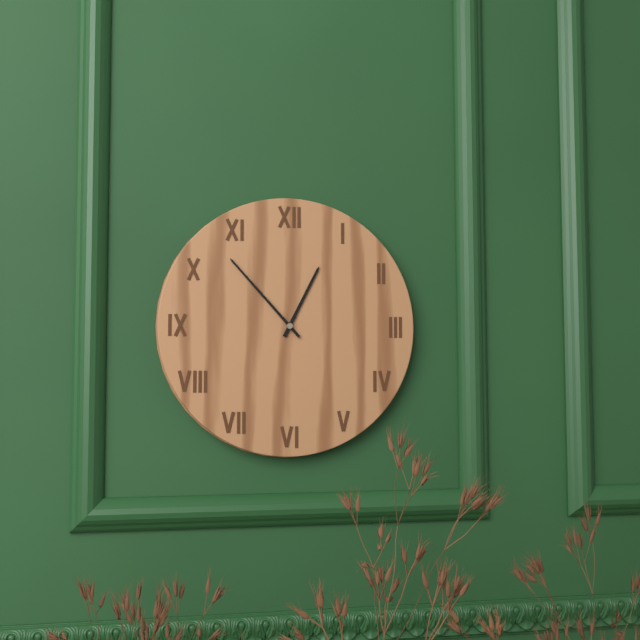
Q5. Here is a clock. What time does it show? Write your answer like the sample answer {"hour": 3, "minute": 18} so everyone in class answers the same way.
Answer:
{"hour": 12, "minute": 53}
